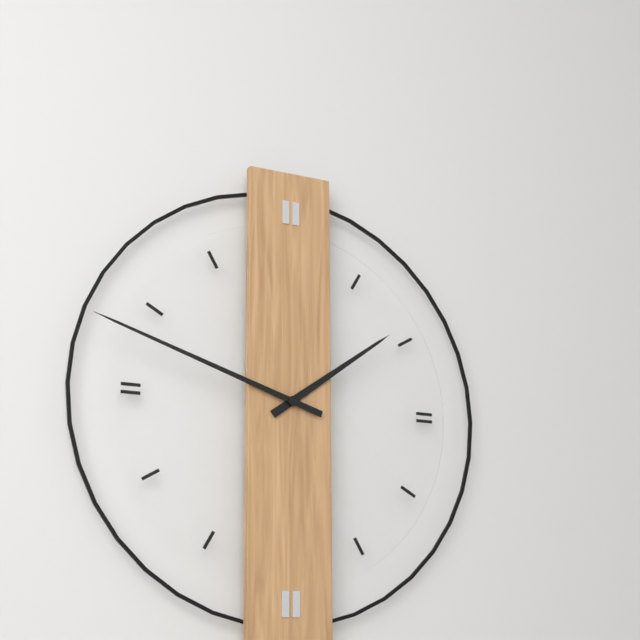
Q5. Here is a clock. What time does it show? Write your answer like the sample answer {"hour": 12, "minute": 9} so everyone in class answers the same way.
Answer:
{"hour": 1, "minute": 48}
